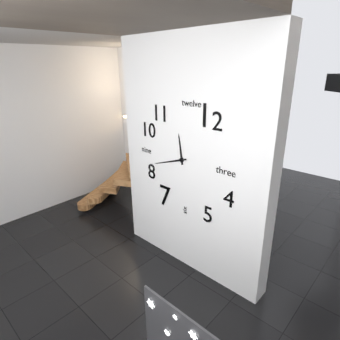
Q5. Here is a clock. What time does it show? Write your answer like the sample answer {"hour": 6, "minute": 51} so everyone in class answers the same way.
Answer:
{"hour": 11, "minute": 42}
